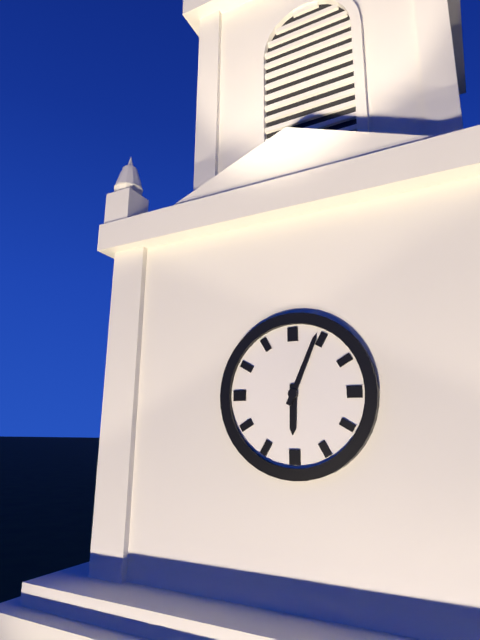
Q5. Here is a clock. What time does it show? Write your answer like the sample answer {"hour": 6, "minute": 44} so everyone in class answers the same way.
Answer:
{"hour": 6, "minute": 4}
